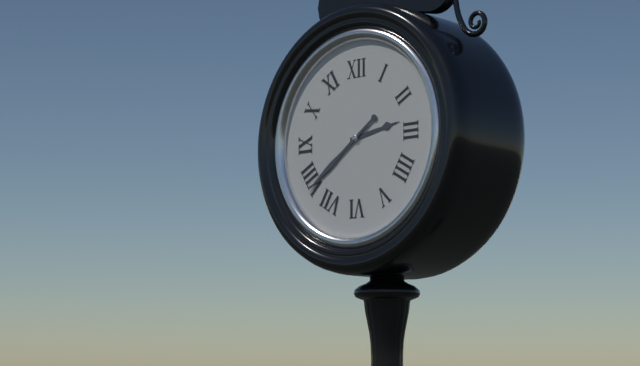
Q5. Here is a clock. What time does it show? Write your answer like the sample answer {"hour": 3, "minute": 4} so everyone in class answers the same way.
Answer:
{"hour": 2, "minute": 39}
